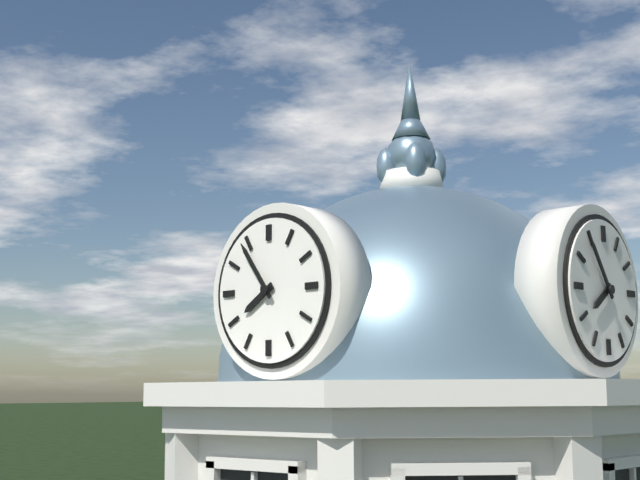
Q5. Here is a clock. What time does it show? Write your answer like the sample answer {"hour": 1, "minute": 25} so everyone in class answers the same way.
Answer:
{"hour": 7, "minute": 54}
